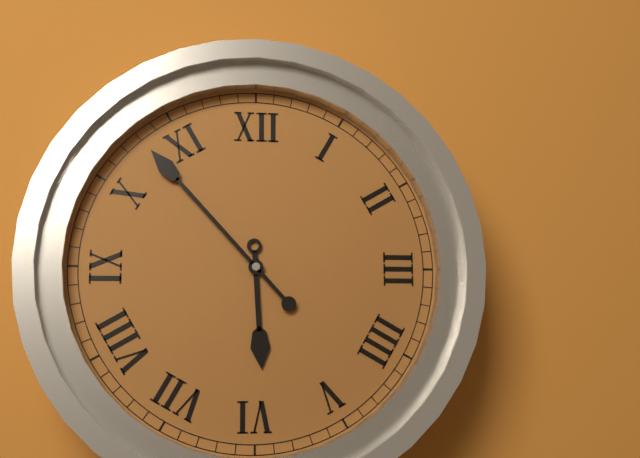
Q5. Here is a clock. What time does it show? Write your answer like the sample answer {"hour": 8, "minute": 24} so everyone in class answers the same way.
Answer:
{"hour": 5, "minute": 53}
